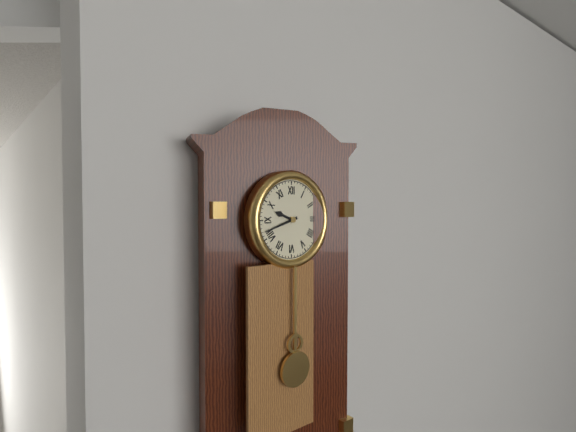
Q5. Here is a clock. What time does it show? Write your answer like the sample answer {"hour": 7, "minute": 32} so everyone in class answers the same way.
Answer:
{"hour": 9, "minute": 42}
